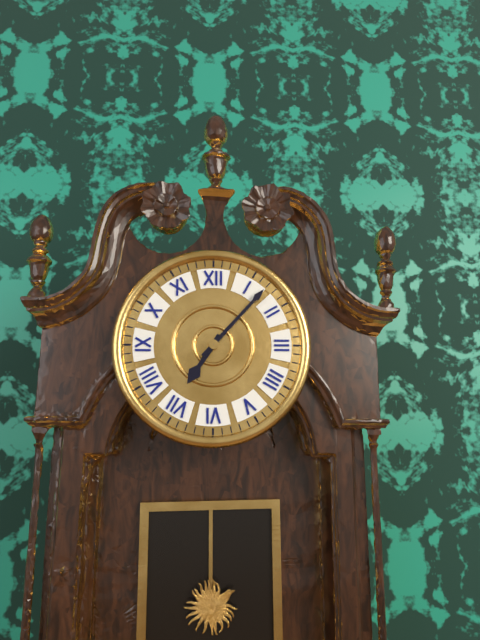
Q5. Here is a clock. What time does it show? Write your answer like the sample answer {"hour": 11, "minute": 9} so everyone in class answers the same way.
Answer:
{"hour": 7, "minute": 7}
